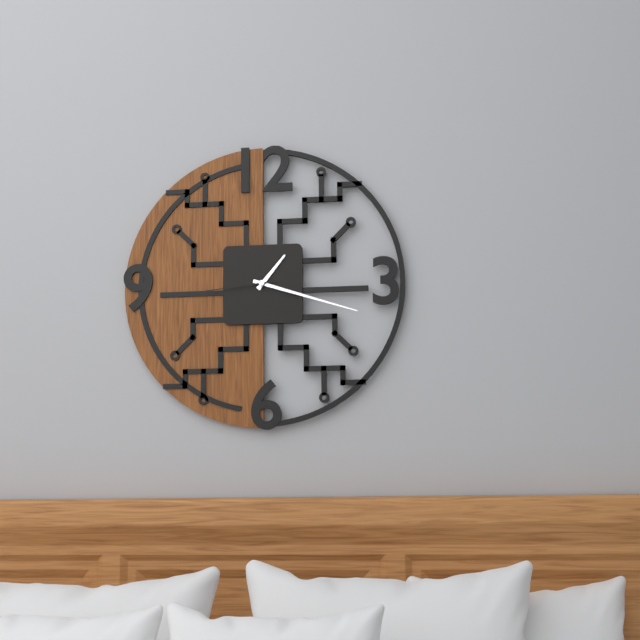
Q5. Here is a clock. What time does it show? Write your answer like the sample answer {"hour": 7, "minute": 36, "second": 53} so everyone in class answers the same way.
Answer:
{"hour": 1, "minute": 18, "second": 44}
